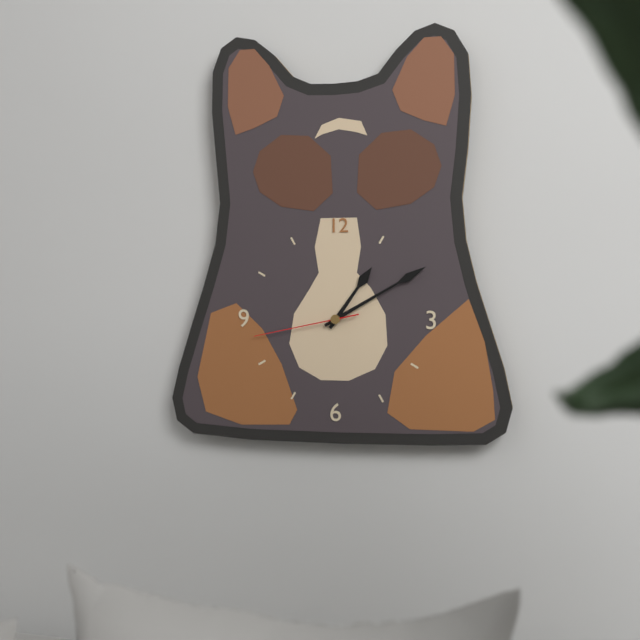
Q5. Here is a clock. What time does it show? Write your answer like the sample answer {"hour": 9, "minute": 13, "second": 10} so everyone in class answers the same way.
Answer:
{"hour": 1, "minute": 10, "second": 43}
